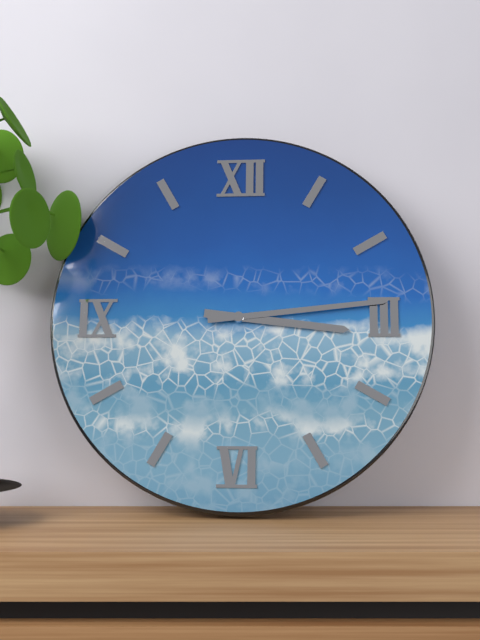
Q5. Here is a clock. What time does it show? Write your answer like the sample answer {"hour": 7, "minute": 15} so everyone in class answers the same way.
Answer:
{"hour": 3, "minute": 14}
